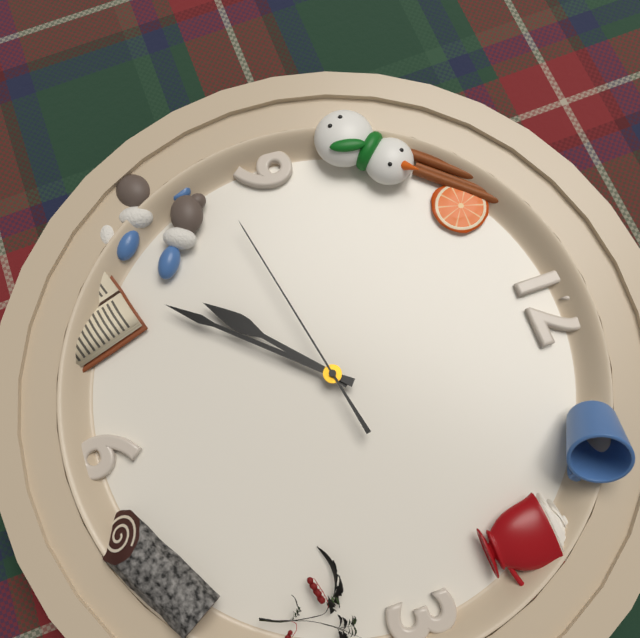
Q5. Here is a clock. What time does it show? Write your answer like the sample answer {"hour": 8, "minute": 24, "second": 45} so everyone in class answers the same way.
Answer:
{"hour": 7, "minute": 37, "second": 43}
